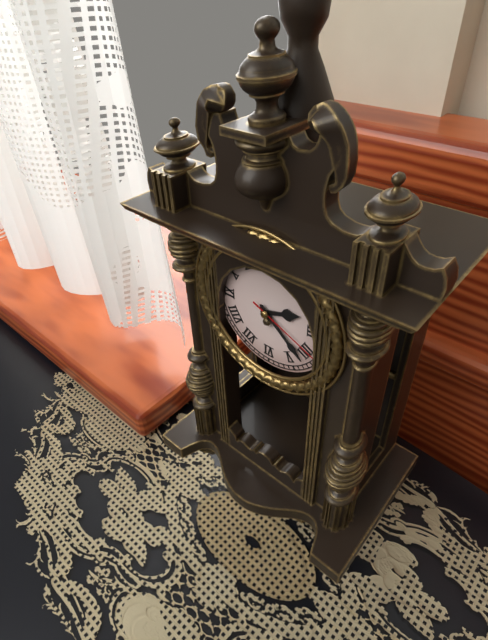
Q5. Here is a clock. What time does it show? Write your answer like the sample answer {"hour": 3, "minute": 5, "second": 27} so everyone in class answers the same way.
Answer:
{"hour": 2, "minute": 22, "second": 19}
